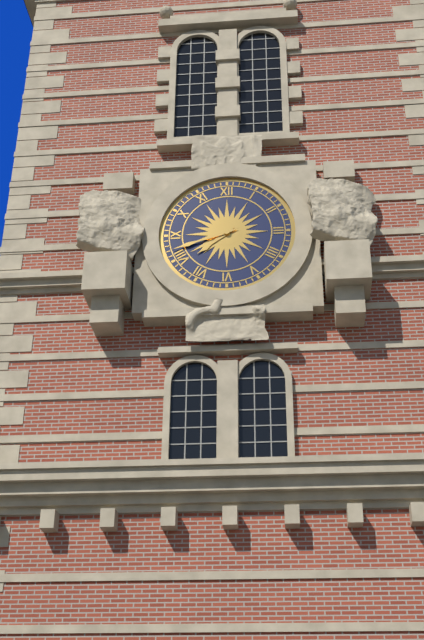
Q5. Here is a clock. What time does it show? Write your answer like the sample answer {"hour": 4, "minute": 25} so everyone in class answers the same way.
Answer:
{"hour": 7, "minute": 42}
